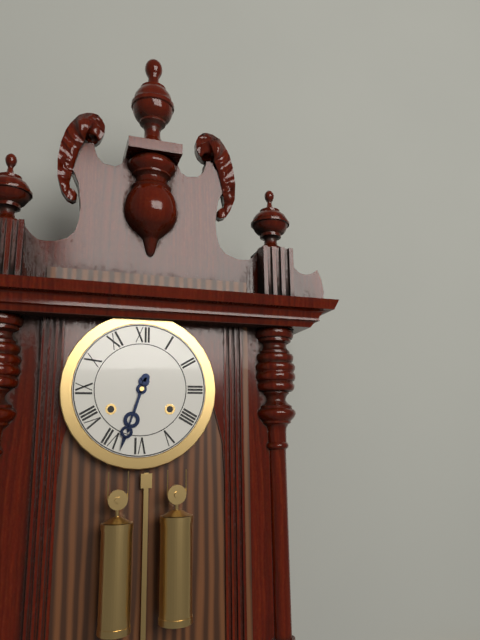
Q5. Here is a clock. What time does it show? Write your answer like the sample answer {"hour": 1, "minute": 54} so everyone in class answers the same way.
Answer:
{"hour": 6, "minute": 33}
